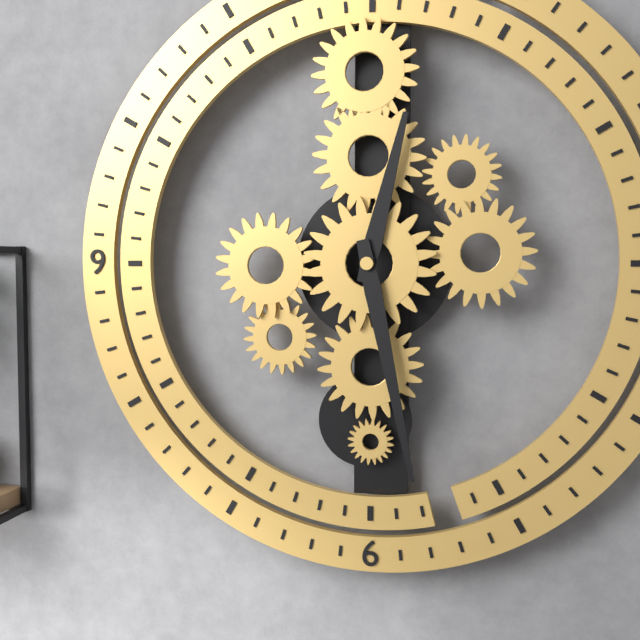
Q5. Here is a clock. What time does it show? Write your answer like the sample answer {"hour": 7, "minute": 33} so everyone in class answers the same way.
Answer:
{"hour": 12, "minute": 28}
